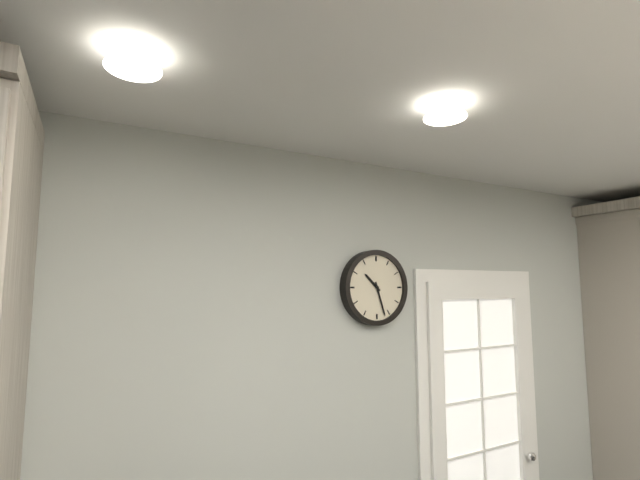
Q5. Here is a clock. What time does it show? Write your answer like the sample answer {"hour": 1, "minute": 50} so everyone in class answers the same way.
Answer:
{"hour": 10, "minute": 27}
